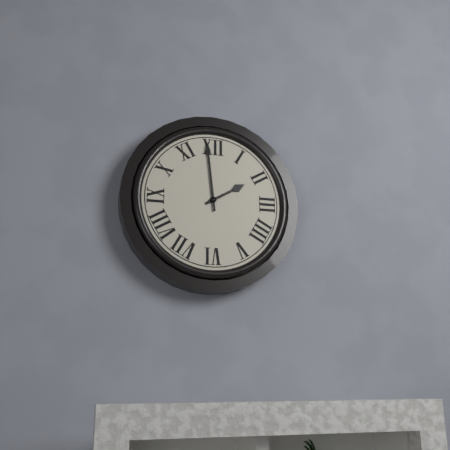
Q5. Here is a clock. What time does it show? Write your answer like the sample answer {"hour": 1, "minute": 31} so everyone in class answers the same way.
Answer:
{"hour": 1, "minute": 59}
